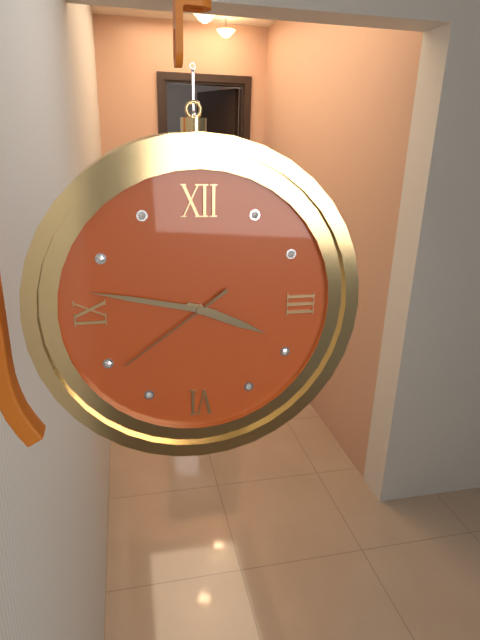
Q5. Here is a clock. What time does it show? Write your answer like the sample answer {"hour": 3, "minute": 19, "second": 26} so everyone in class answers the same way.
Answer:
{"hour": 3, "minute": 47, "second": 39}
